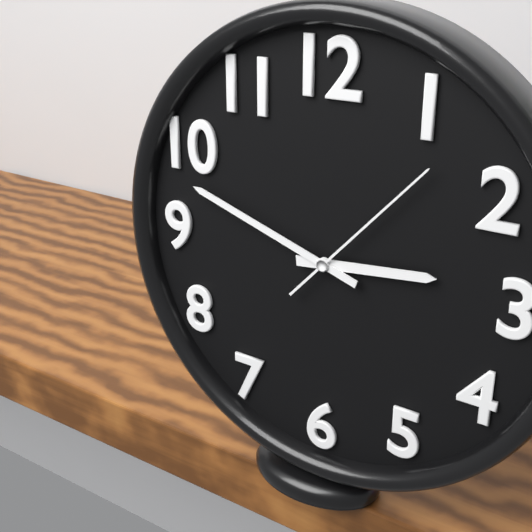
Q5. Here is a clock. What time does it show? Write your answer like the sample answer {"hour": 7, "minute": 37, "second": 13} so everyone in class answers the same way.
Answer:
{"hour": 2, "minute": 48, "second": 7}
